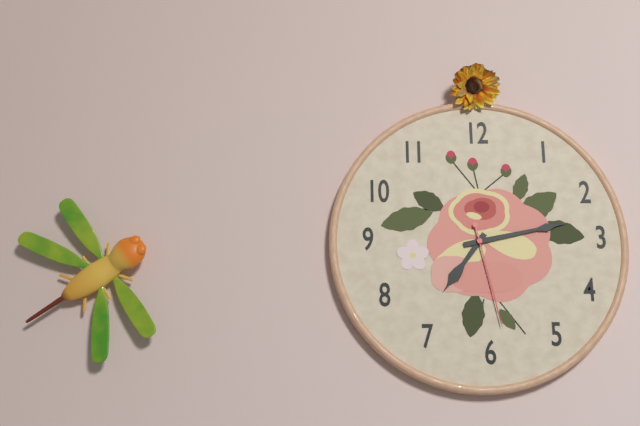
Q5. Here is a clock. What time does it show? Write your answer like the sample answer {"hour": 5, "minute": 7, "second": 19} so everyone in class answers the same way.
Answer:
{"hour": 7, "minute": 13, "second": 28}
